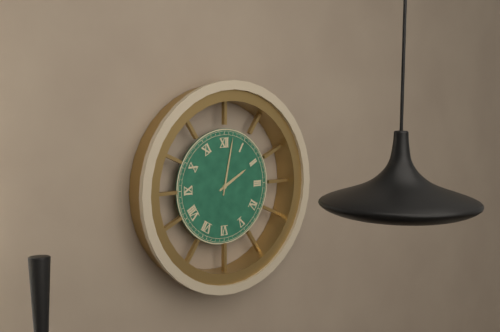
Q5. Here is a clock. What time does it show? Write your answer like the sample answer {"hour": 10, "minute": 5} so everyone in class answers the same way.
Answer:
{"hour": 2, "minute": 2}
